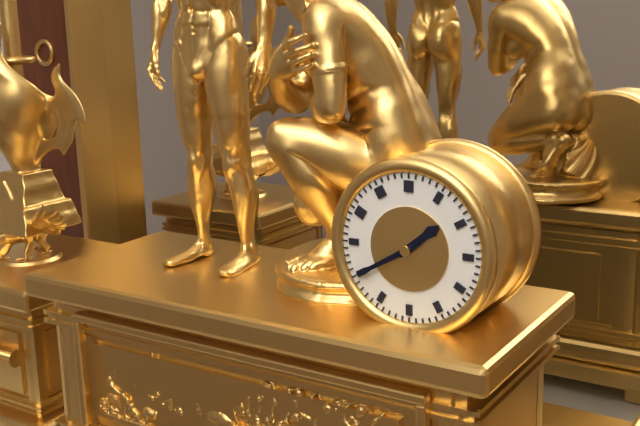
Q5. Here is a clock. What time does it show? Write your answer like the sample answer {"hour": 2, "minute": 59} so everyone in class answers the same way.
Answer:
{"hour": 1, "minute": 40}
